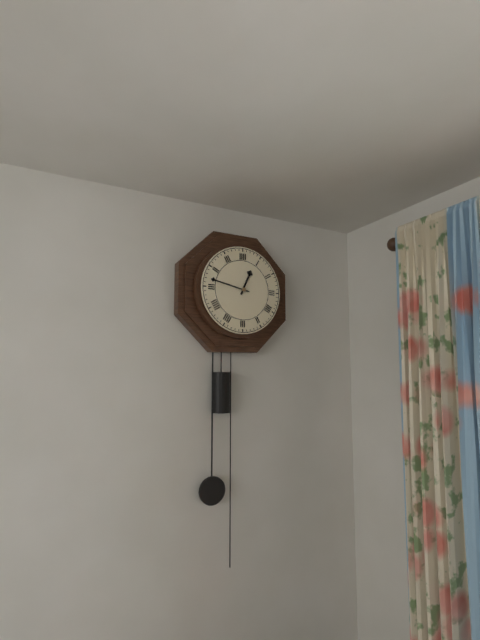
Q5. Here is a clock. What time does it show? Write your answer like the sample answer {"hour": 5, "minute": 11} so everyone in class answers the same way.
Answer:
{"hour": 12, "minute": 47}
